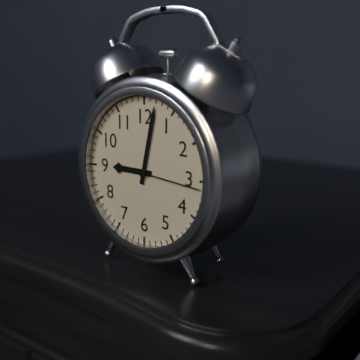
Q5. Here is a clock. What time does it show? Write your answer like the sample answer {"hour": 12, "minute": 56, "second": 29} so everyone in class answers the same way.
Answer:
{"hour": 9, "minute": 2, "second": 16}
